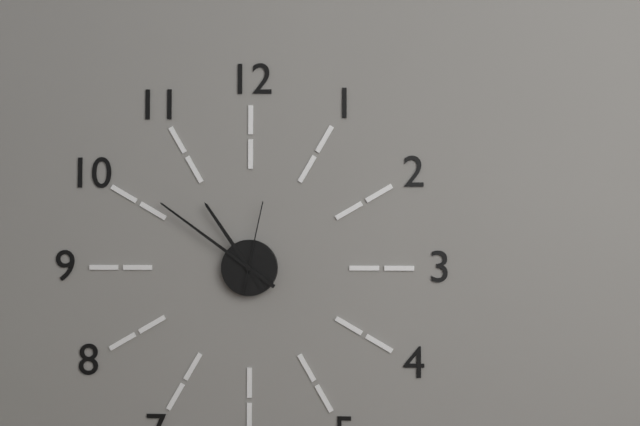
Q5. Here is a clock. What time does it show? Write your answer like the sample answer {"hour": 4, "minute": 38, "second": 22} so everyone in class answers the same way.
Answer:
{"hour": 10, "minute": 51, "second": 2}
